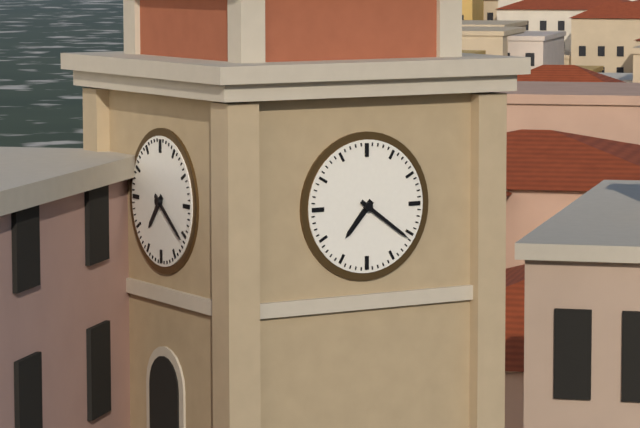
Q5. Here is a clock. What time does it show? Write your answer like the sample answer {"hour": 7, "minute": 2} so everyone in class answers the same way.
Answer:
{"hour": 7, "minute": 21}
